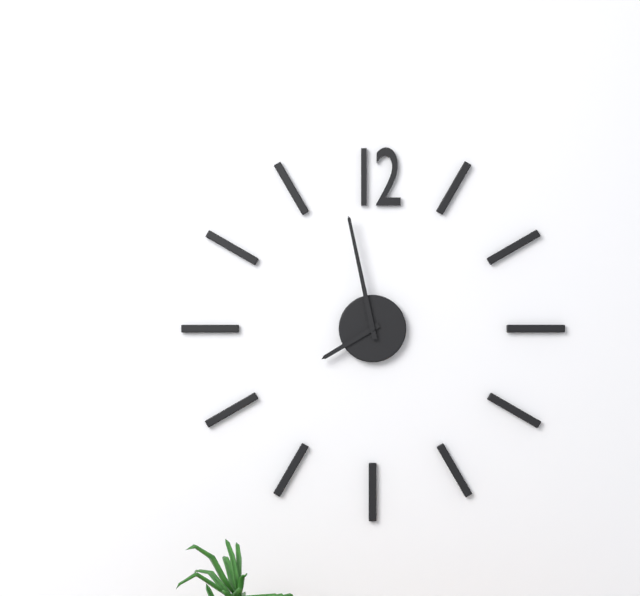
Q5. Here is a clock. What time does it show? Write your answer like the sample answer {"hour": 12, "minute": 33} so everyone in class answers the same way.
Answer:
{"hour": 7, "minute": 58}
